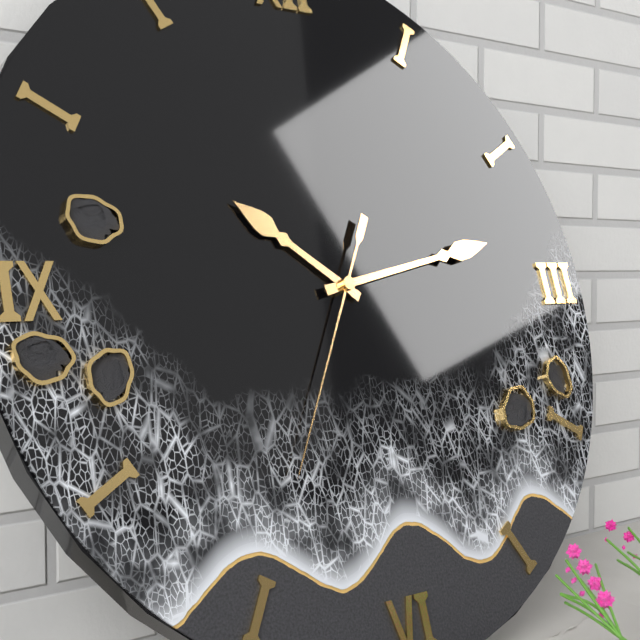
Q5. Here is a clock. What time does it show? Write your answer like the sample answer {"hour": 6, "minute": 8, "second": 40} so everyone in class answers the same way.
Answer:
{"hour": 10, "minute": 13, "second": 35}
